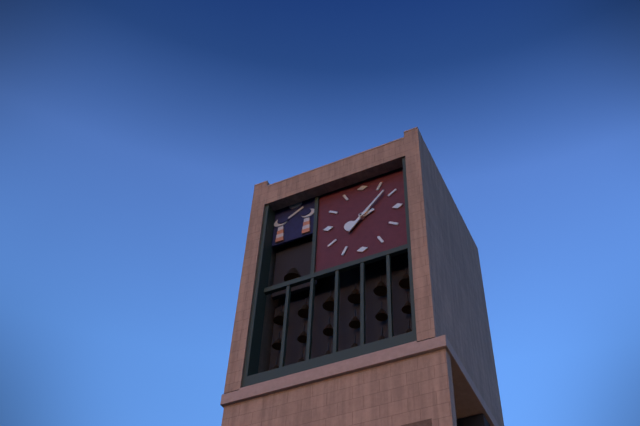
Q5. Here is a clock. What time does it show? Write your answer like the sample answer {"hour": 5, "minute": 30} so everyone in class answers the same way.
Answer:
{"hour": 8, "minute": 7}
